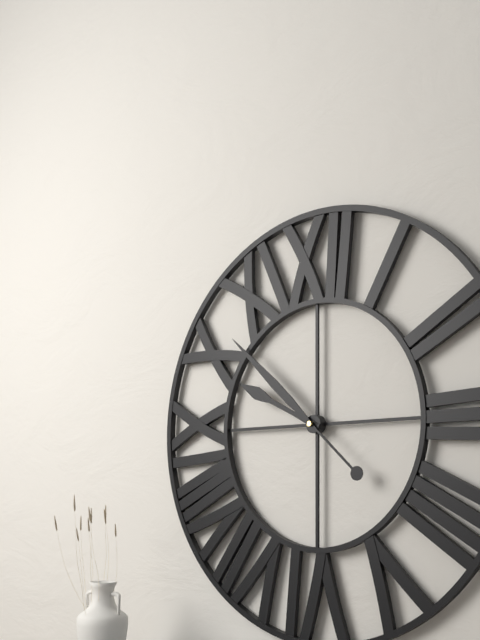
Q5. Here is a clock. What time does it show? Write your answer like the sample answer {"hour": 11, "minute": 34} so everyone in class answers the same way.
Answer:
{"hour": 9, "minute": 52}
